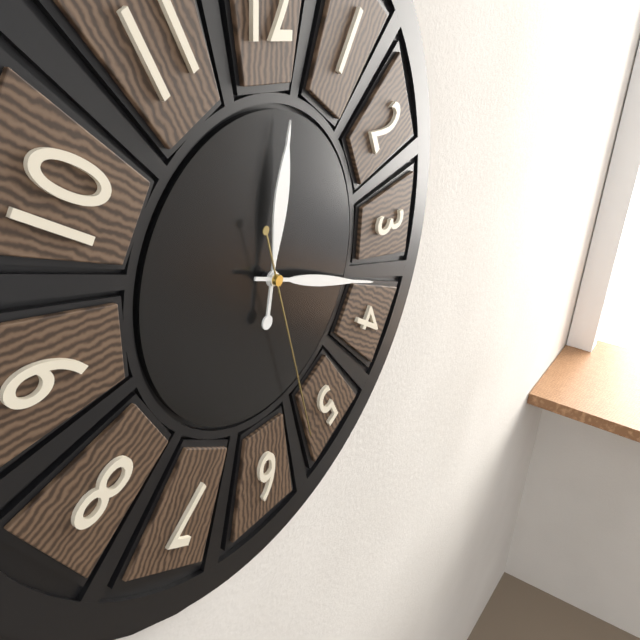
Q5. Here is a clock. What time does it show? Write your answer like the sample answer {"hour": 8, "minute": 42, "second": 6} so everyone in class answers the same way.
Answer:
{"hour": 12, "minute": 18, "second": 27}
